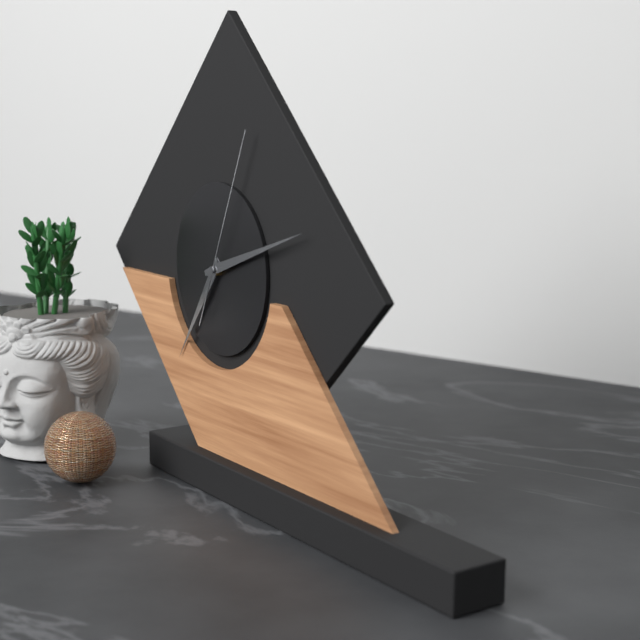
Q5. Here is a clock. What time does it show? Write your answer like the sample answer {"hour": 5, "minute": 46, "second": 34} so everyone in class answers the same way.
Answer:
{"hour": 7, "minute": 12, "second": 4}
